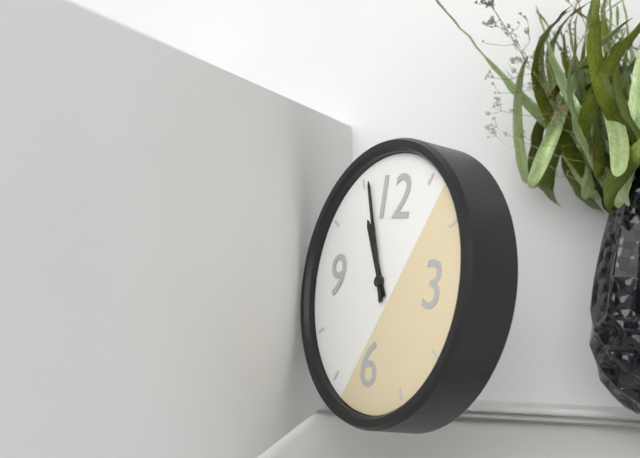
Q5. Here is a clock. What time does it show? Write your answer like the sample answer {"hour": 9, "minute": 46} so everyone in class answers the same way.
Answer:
{"hour": 10, "minute": 56}
